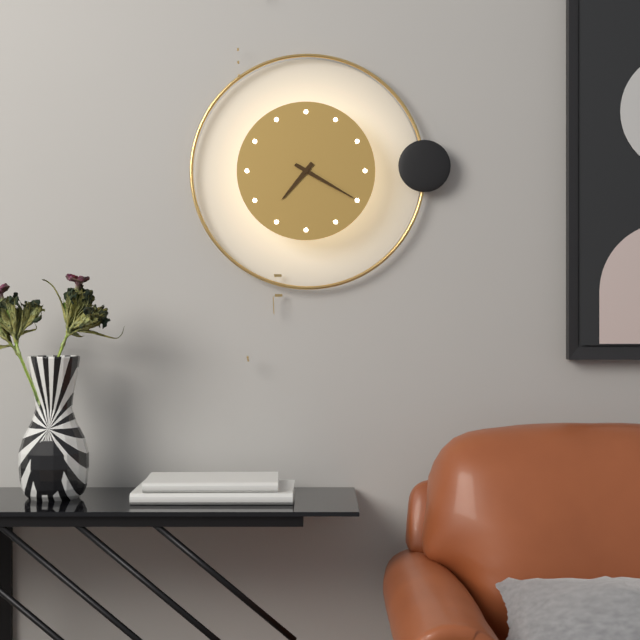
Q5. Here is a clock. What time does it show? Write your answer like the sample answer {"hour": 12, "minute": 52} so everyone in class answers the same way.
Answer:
{"hour": 7, "minute": 20}
